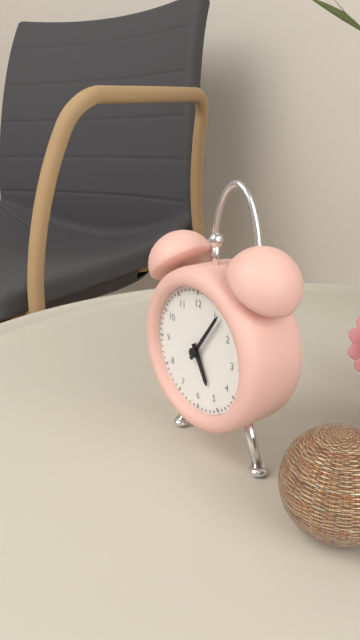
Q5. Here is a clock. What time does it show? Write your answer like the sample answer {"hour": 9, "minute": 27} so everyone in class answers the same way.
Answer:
{"hour": 5, "minute": 6}
